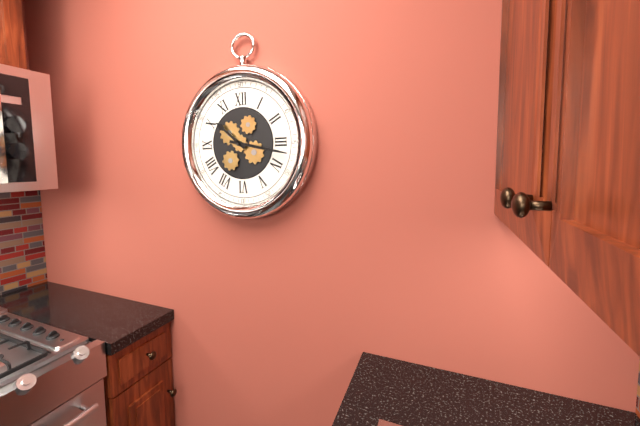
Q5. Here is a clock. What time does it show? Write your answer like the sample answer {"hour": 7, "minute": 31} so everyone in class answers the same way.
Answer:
{"hour": 10, "minute": 17}
